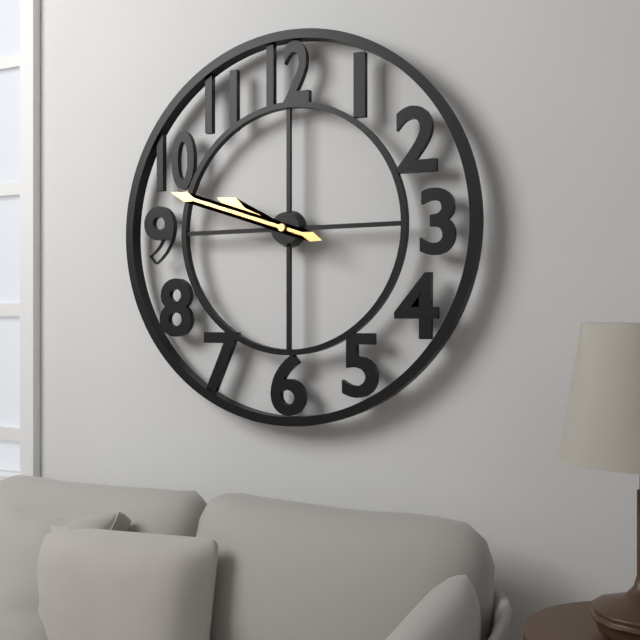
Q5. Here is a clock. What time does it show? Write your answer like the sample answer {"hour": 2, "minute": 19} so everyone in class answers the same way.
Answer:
{"hour": 9, "minute": 48}
